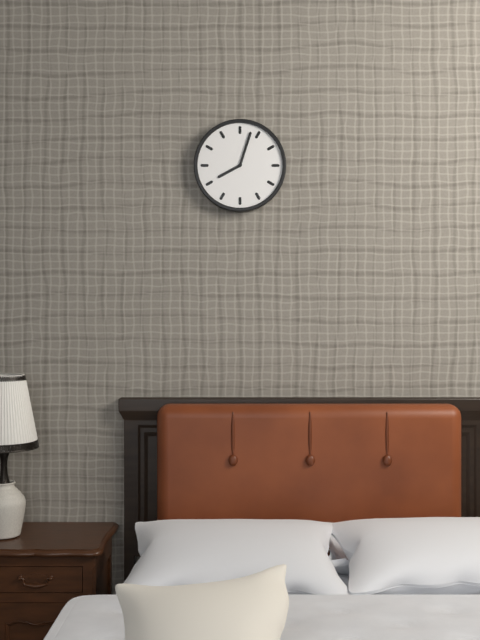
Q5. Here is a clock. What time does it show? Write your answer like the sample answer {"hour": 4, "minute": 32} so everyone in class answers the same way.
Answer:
{"hour": 8, "minute": 3}
